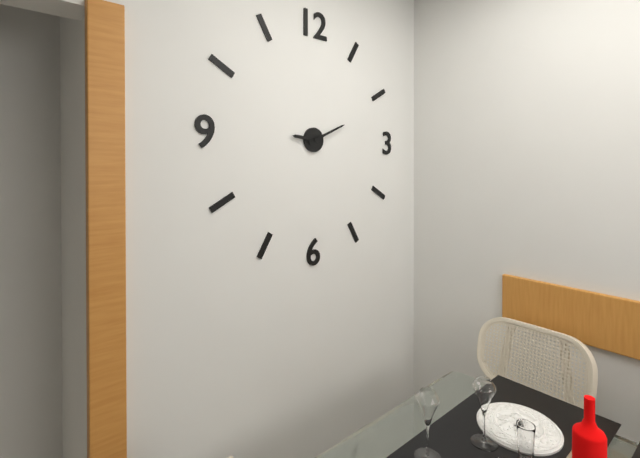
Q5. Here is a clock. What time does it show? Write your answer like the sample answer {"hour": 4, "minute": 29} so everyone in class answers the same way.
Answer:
{"hour": 9, "minute": 11}
